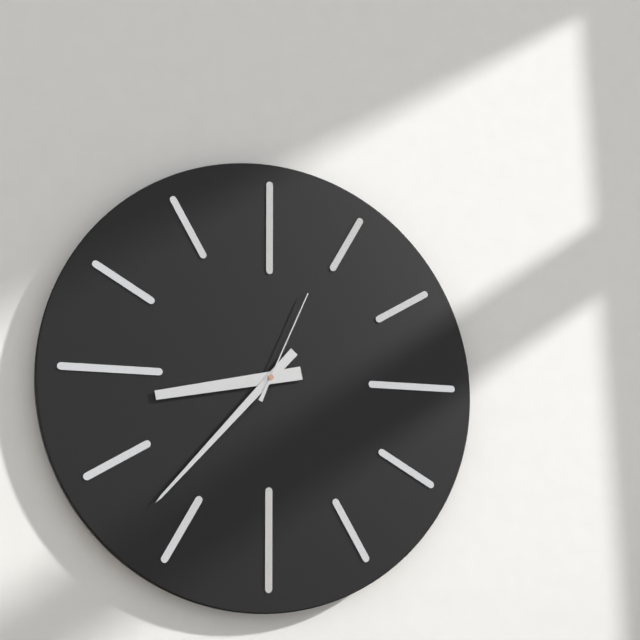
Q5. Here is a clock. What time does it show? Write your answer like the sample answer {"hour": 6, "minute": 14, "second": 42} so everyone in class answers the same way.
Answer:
{"hour": 8, "minute": 37, "second": 4}
